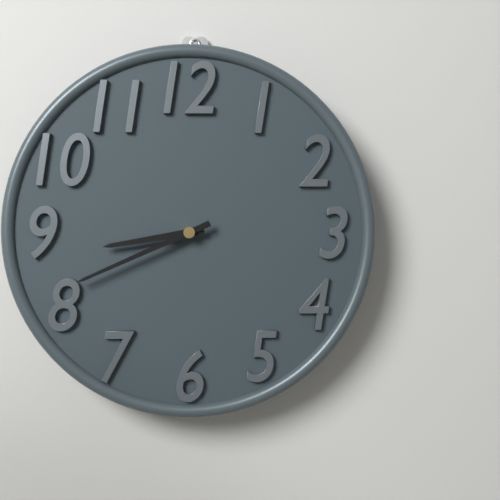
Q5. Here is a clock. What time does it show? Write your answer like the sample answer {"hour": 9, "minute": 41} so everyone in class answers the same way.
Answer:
{"hour": 8, "minute": 41}
